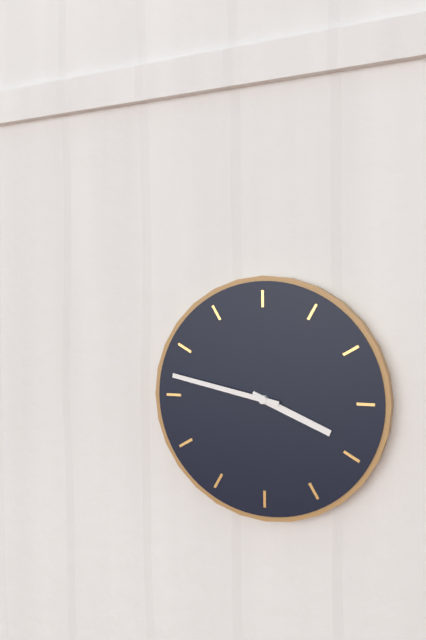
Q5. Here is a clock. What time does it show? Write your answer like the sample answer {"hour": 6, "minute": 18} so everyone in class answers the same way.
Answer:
{"hour": 3, "minute": 47}
